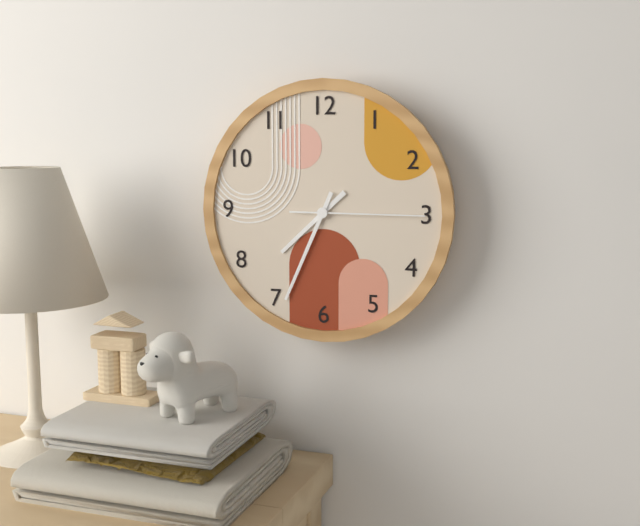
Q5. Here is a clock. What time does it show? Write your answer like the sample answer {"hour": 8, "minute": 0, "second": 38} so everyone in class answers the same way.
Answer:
{"hour": 7, "minute": 34, "second": 15}
